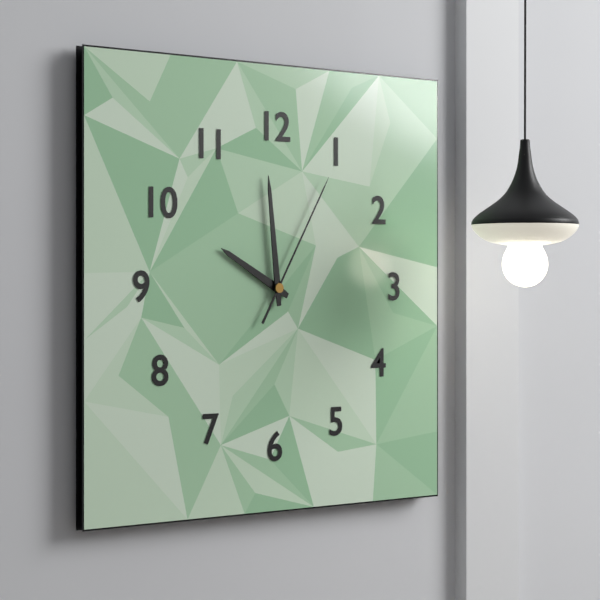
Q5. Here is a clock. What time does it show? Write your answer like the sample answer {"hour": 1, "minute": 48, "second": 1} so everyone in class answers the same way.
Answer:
{"hour": 9, "minute": 59, "second": 5}
